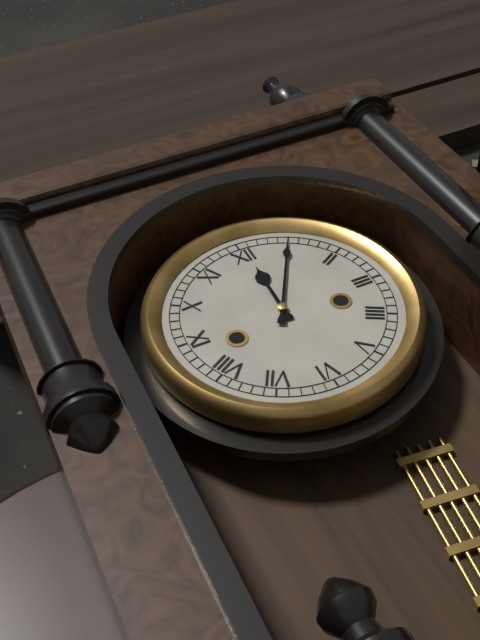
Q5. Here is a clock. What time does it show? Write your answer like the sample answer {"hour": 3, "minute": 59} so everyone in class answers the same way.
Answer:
{"hour": 12, "minute": 5}
